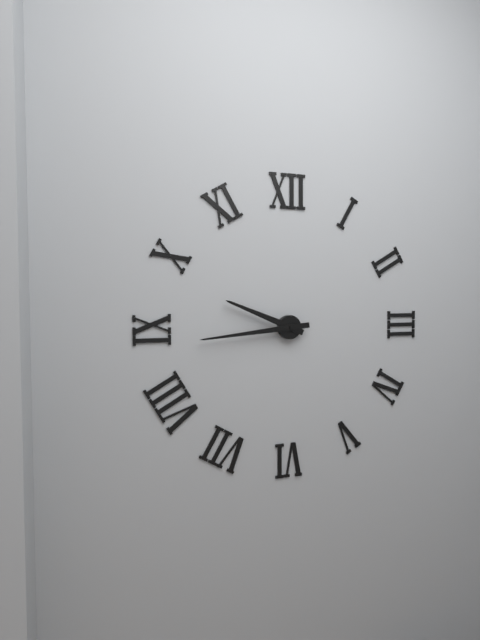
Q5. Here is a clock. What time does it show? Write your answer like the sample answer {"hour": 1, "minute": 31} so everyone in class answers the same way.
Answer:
{"hour": 9, "minute": 44}
